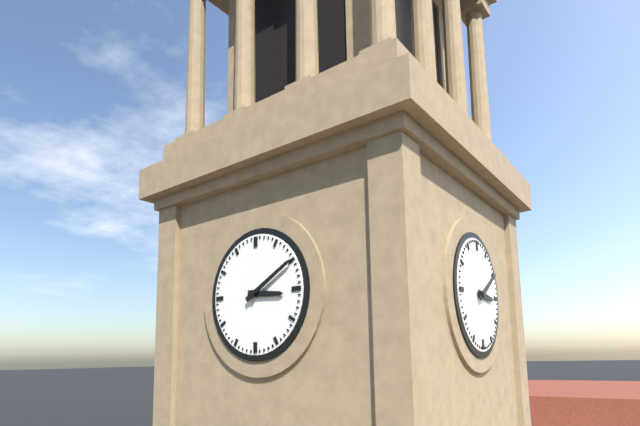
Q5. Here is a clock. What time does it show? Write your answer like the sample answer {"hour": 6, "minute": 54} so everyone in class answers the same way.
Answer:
{"hour": 3, "minute": 10}
